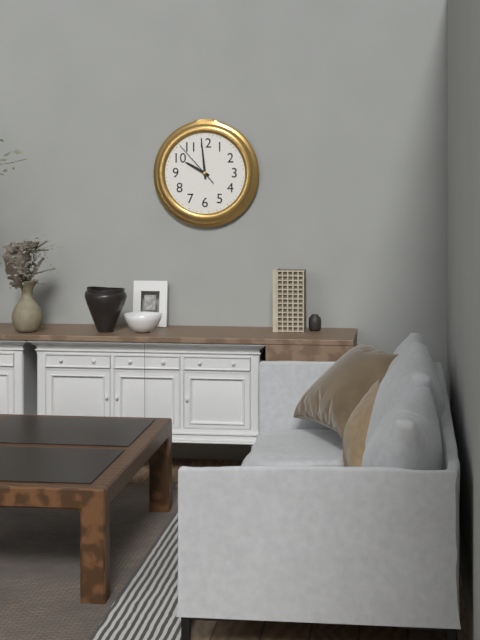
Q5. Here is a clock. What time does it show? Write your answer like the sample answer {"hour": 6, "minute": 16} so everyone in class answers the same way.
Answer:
{"hour": 9, "minute": 59}
